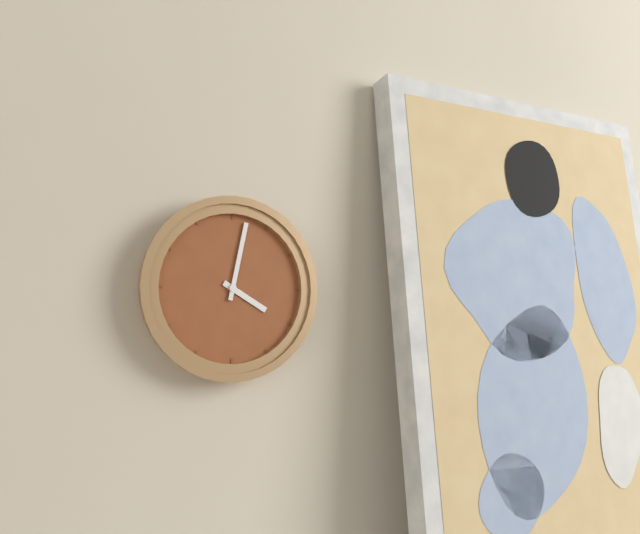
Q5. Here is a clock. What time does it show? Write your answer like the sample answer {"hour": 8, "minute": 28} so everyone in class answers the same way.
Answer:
{"hour": 4, "minute": 2}
